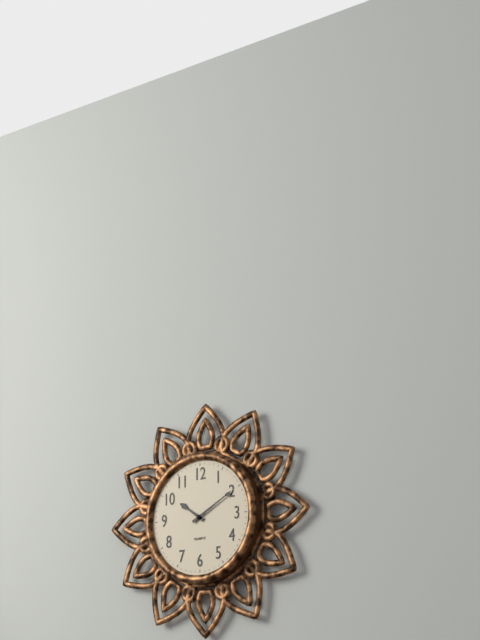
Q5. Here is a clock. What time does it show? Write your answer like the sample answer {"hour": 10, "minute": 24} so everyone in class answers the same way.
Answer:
{"hour": 10, "minute": 10}
